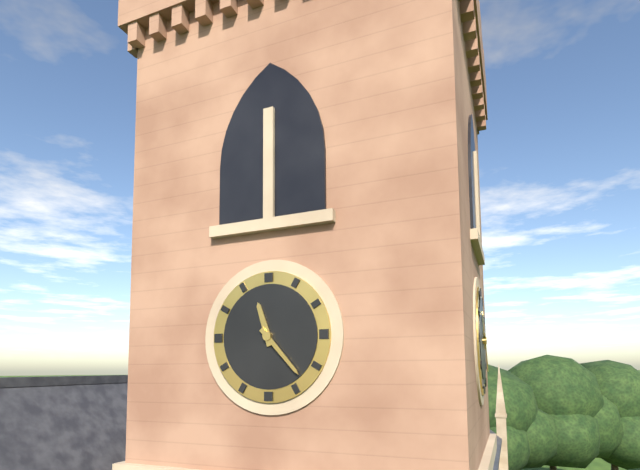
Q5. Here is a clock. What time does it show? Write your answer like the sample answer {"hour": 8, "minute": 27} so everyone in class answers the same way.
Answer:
{"hour": 11, "minute": 23}
